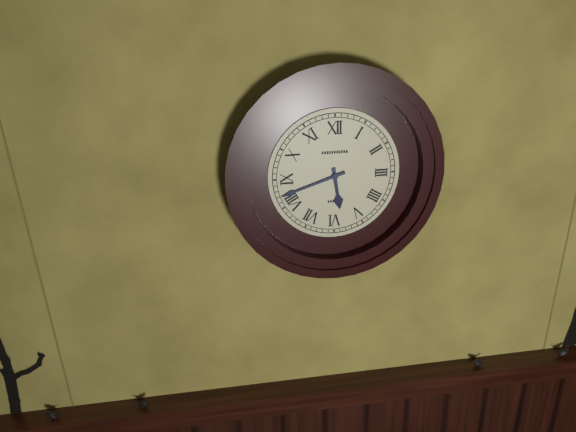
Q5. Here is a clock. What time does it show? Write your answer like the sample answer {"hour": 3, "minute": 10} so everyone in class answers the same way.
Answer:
{"hour": 5, "minute": 42}
